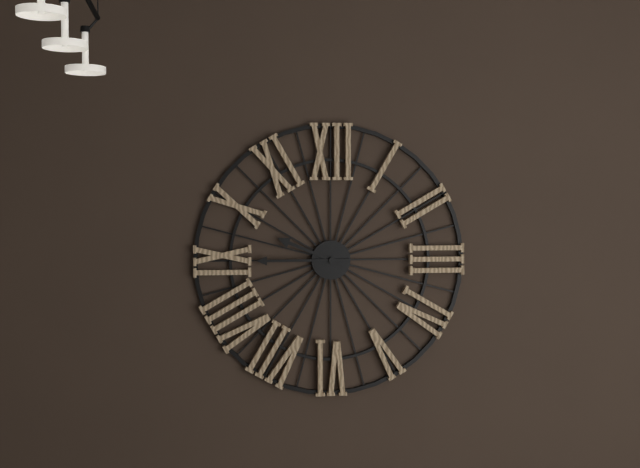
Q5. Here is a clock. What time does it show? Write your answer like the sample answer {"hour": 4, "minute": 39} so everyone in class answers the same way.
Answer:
{"hour": 9, "minute": 45}
